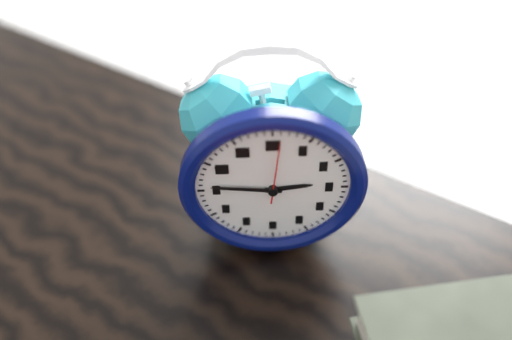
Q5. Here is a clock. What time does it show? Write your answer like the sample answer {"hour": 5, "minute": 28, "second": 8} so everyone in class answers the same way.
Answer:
{"hour": 2, "minute": 46, "second": 1}
